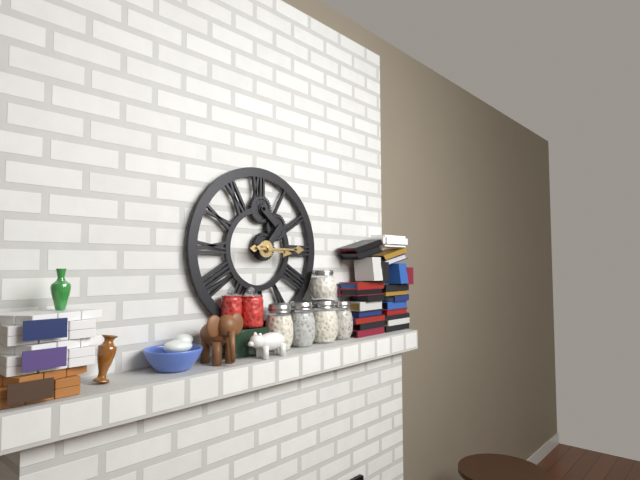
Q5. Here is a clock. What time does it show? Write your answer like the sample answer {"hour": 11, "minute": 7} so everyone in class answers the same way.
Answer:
{"hour": 3, "minute": 15}
